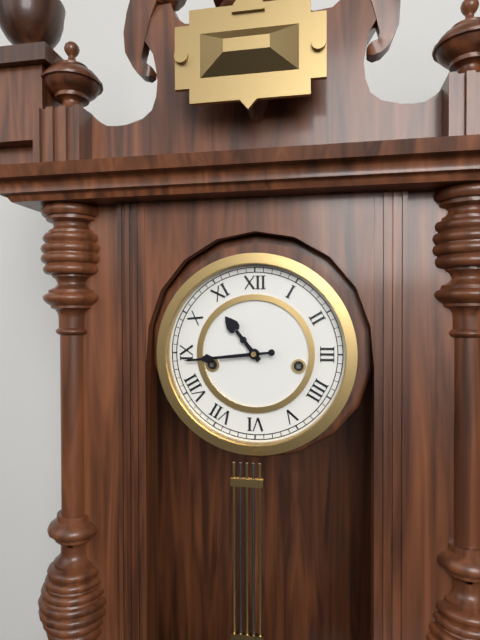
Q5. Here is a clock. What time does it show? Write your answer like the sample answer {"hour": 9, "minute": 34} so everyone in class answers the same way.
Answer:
{"hour": 10, "minute": 44}
